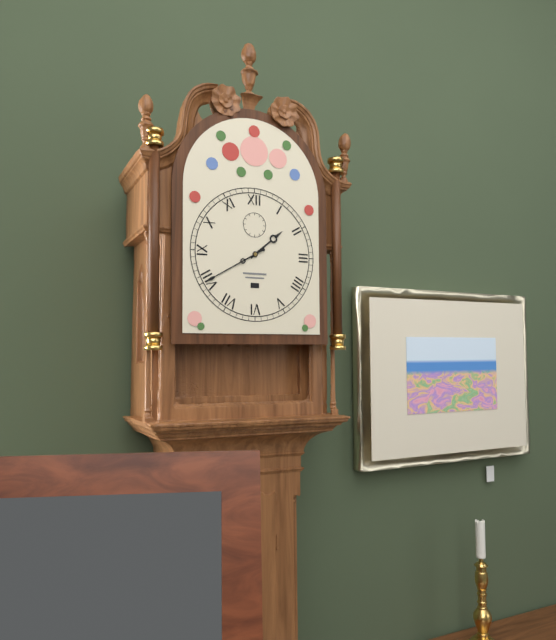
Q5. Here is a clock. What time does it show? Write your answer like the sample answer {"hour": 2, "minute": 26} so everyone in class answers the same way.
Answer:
{"hour": 1, "minute": 40}
